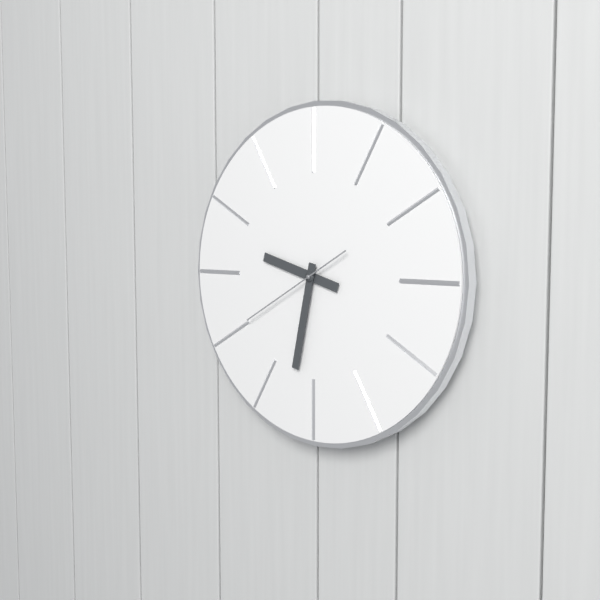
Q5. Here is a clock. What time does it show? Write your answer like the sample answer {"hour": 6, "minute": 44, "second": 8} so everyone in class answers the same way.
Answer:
{"hour": 9, "minute": 32, "second": 40}
